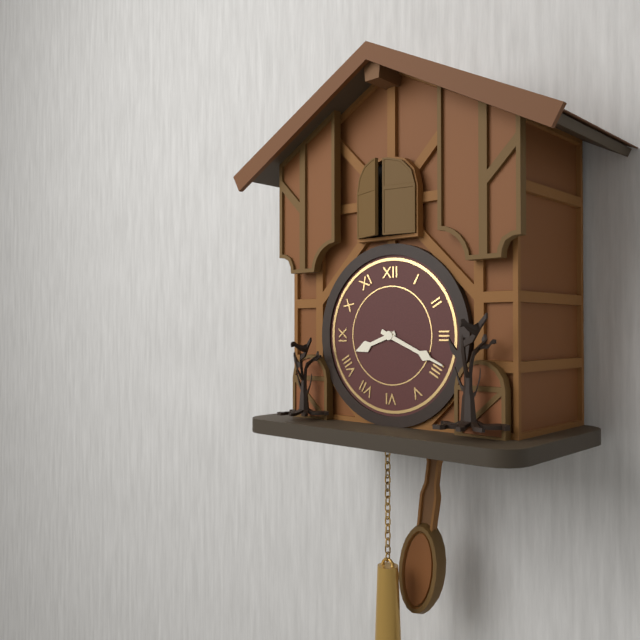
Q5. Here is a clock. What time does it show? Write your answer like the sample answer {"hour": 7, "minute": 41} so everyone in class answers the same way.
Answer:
{"hour": 8, "minute": 19}
